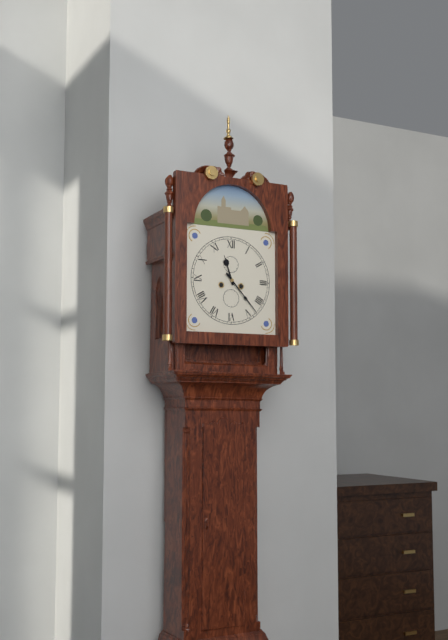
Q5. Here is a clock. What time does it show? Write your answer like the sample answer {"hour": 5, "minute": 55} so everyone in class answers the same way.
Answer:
{"hour": 11, "minute": 23}
